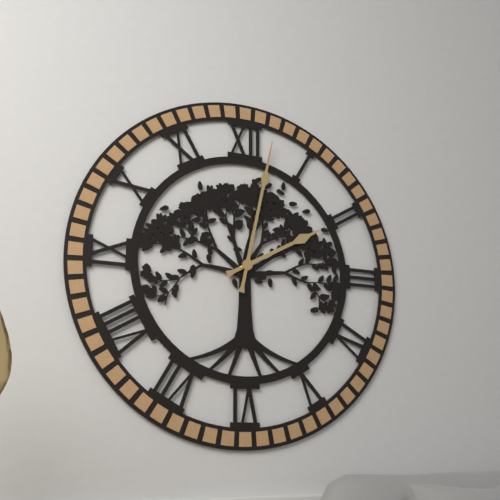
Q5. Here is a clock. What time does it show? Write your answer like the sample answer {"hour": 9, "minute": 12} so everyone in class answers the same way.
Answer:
{"hour": 2, "minute": 2}
